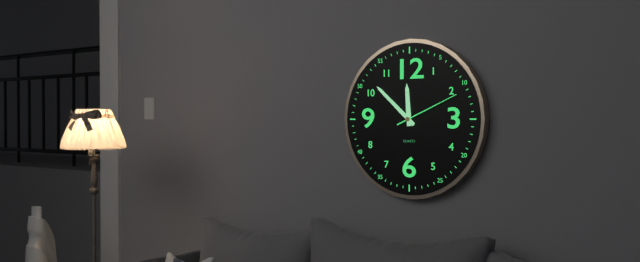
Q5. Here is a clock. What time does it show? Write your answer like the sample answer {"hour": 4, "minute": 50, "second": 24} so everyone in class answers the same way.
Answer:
{"hour": 11, "minute": 52, "second": 11}
